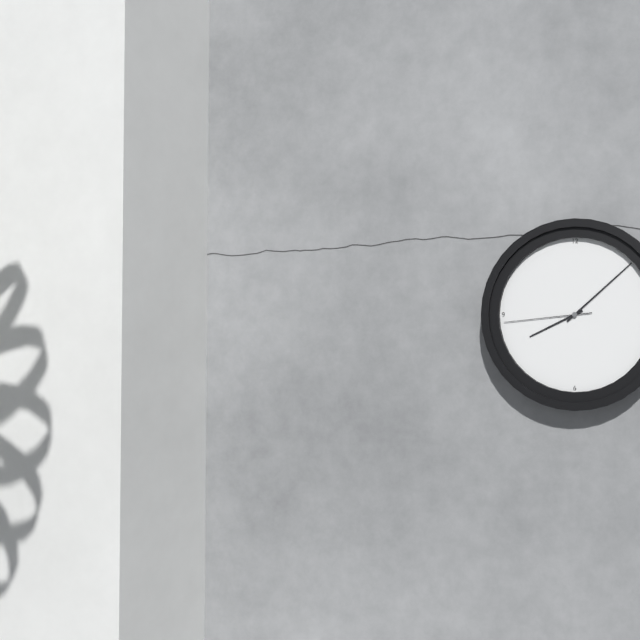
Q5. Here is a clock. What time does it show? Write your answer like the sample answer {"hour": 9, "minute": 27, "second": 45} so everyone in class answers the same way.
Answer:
{"hour": 8, "minute": 8, "second": 44}
